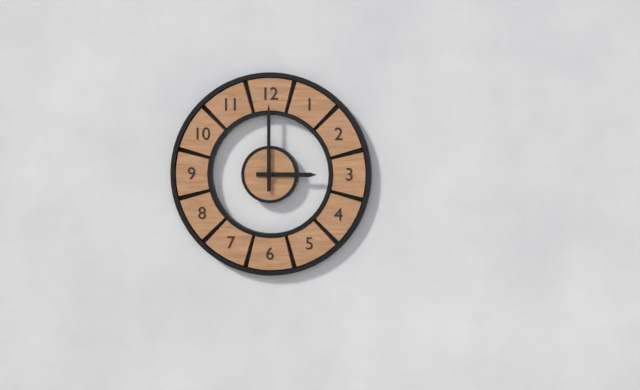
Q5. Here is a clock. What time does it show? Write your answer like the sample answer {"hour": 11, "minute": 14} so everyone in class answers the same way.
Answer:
{"hour": 3, "minute": 0}
